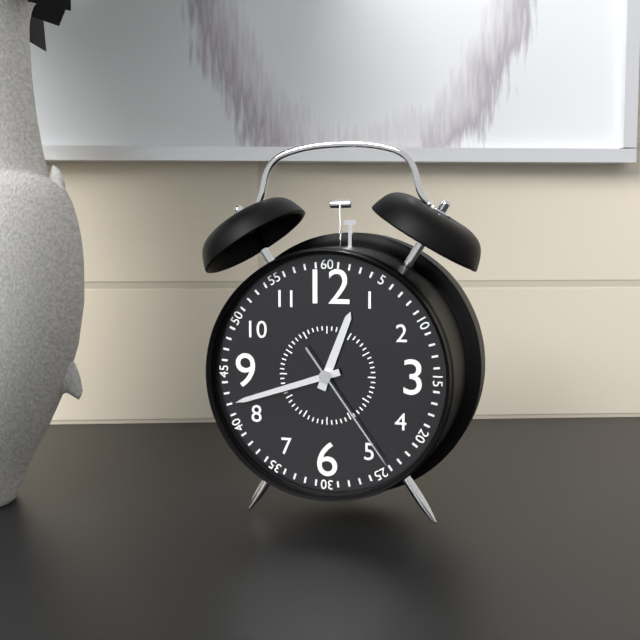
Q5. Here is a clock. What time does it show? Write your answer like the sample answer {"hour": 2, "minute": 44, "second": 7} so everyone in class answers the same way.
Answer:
{"hour": 12, "minute": 42, "second": 24}
